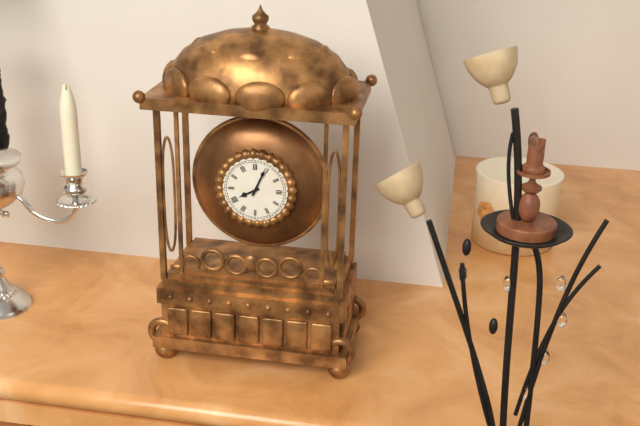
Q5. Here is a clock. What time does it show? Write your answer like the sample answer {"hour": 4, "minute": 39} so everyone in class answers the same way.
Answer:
{"hour": 8, "minute": 4}
